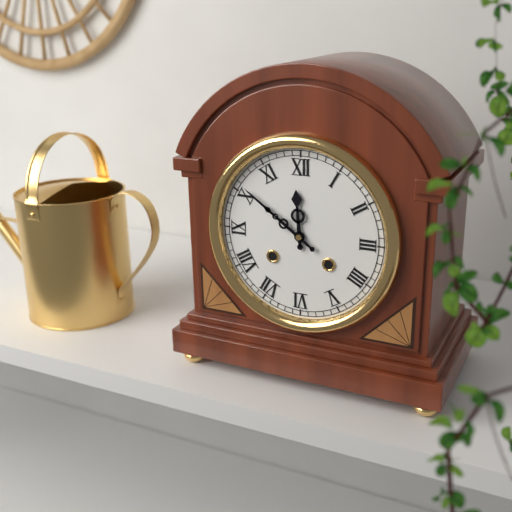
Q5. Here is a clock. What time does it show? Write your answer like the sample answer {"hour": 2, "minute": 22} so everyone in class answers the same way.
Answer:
{"hour": 11, "minute": 51}
